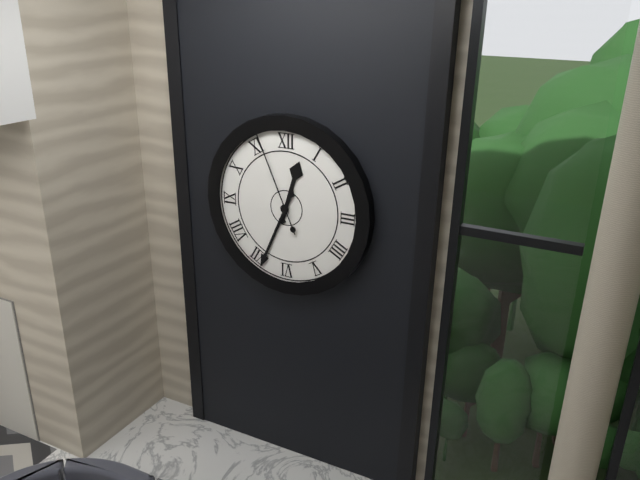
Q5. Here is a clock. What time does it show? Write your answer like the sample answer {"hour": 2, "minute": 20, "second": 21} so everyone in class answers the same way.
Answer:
{"hour": 12, "minute": 34, "second": 56}
